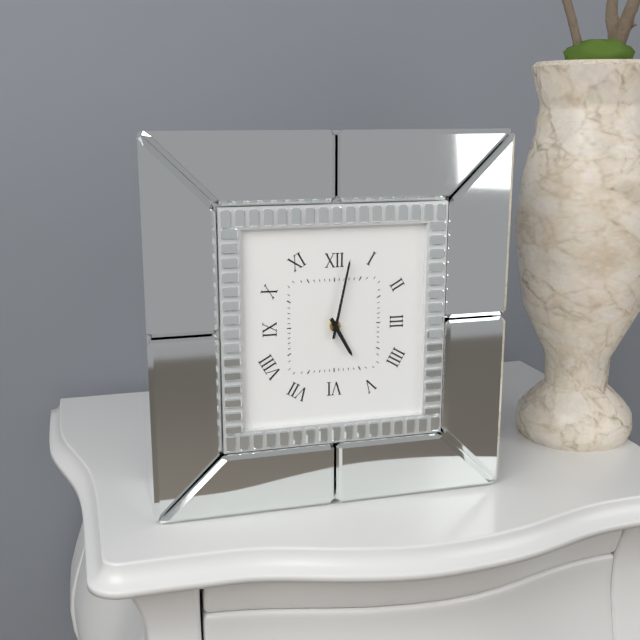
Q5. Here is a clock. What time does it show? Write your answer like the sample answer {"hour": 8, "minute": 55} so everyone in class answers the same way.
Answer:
{"hour": 5, "minute": 2}
